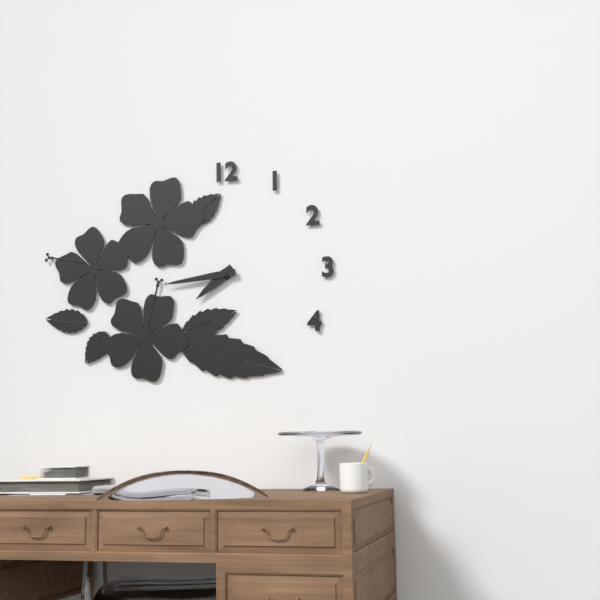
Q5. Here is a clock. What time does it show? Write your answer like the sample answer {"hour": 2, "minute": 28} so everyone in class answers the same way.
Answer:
{"hour": 7, "minute": 44}
